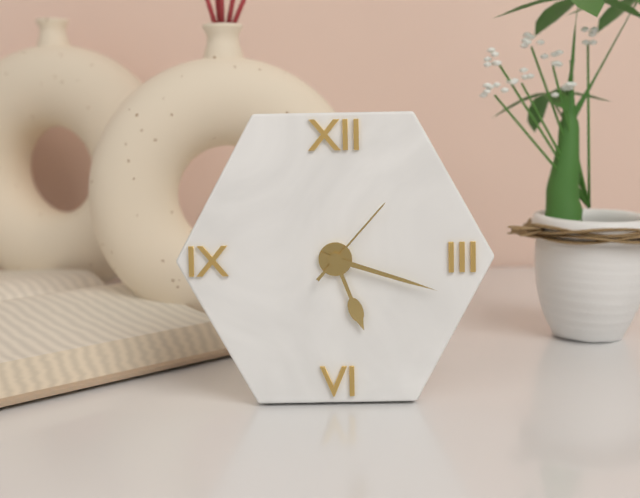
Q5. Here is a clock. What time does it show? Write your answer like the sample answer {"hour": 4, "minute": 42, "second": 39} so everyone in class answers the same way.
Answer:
{"hour": 5, "minute": 18, "second": 7}
